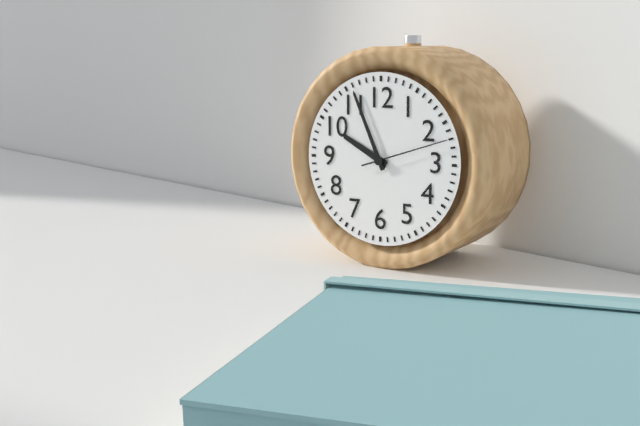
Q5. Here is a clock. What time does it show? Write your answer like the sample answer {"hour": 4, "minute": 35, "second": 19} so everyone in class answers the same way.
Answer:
{"hour": 9, "minute": 56, "second": 12}
